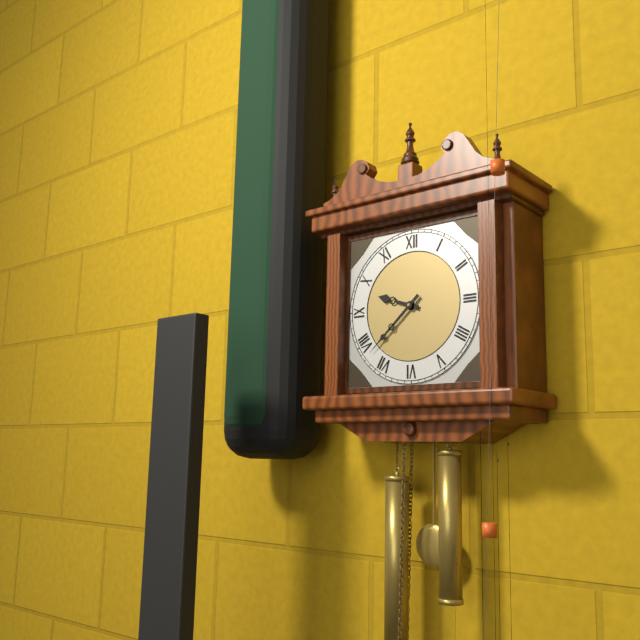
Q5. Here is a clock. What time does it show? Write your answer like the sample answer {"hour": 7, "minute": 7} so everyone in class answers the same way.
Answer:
{"hour": 9, "minute": 38}
